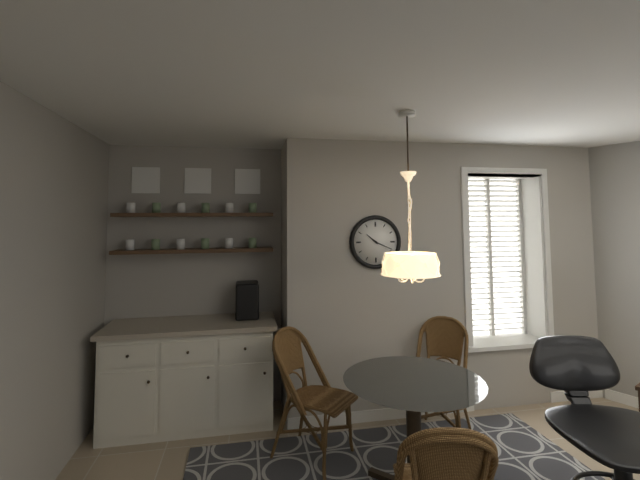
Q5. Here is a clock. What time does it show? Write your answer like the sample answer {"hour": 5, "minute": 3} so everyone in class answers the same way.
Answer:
{"hour": 10, "minute": 19}
